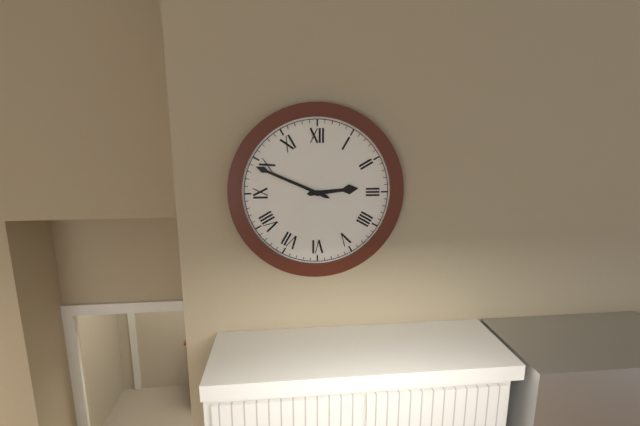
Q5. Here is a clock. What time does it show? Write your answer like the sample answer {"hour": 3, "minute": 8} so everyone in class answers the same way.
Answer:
{"hour": 2, "minute": 49}
